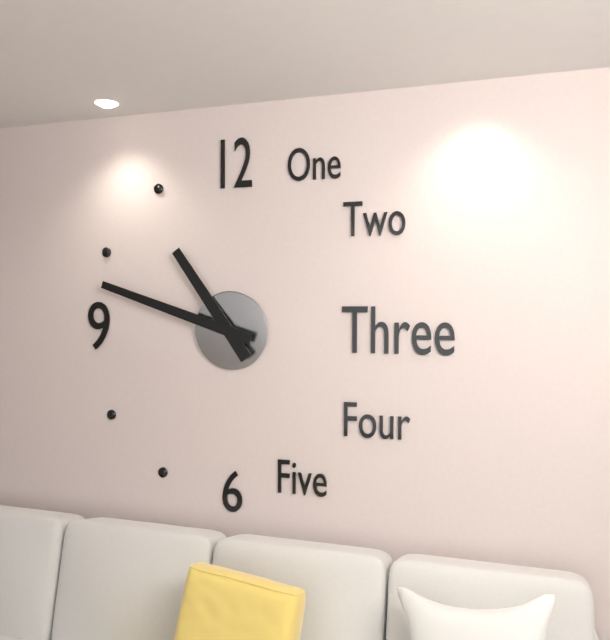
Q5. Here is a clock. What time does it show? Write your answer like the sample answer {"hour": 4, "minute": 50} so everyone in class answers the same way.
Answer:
{"hour": 10, "minute": 48}
